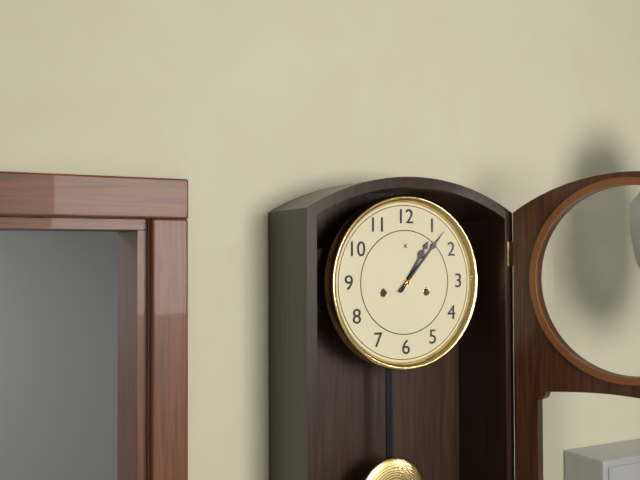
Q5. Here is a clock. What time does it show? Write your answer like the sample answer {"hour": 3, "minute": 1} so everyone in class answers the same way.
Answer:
{"hour": 1, "minute": 7}
